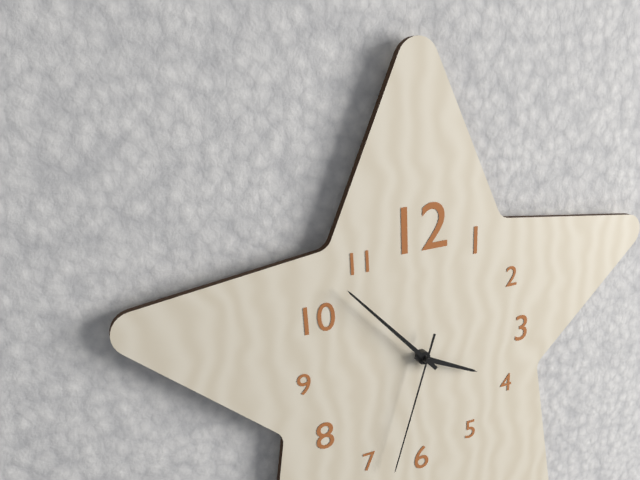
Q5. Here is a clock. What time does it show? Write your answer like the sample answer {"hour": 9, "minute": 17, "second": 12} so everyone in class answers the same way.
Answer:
{"hour": 3, "minute": 53, "second": 33}
